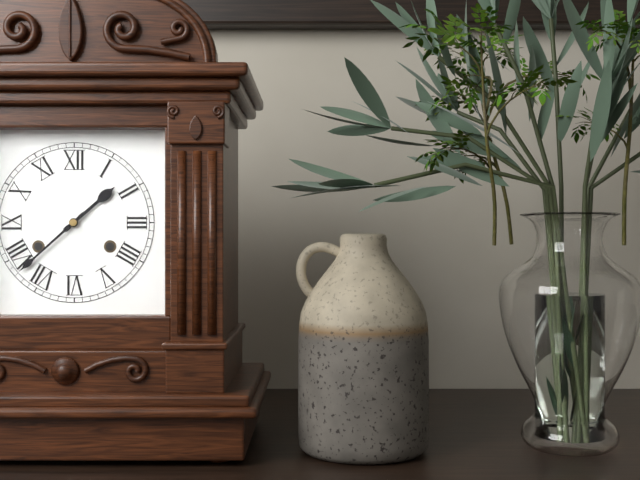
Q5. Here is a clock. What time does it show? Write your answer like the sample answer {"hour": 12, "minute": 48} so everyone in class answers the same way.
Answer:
{"hour": 1, "minute": 38}
